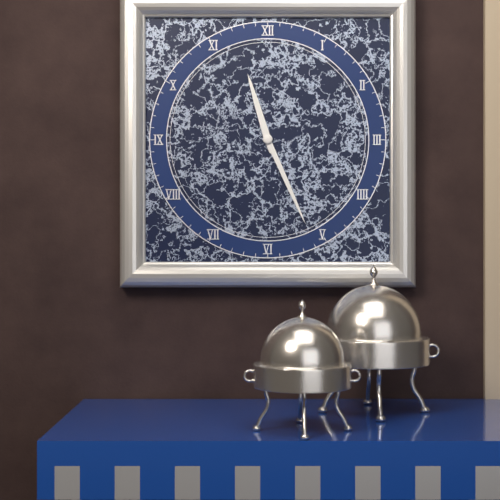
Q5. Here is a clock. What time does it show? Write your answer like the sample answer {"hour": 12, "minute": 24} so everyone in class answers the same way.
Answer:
{"hour": 11, "minute": 26}
